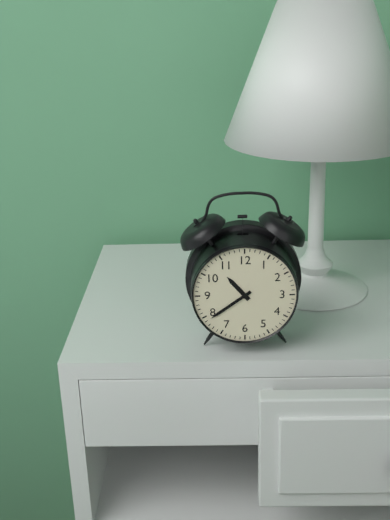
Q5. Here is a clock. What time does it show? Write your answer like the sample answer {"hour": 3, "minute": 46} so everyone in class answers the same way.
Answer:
{"hour": 10, "minute": 39}
